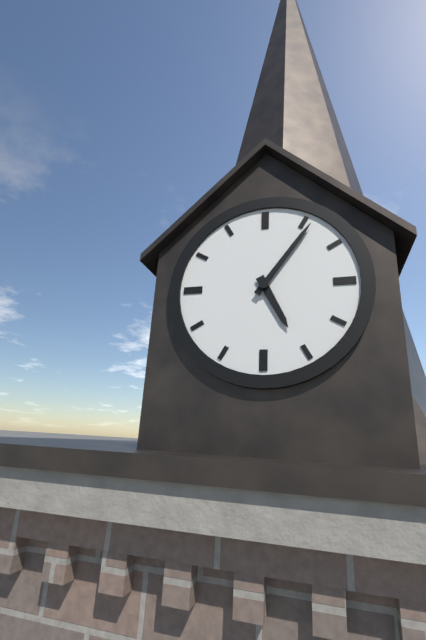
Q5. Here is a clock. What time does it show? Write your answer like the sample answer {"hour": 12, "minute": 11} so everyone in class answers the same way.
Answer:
{"hour": 5, "minute": 6}
